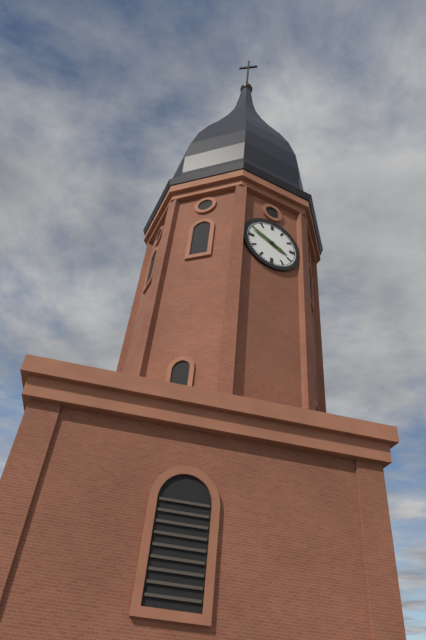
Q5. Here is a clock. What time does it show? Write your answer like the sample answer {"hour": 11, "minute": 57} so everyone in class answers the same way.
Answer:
{"hour": 3, "minute": 49}
